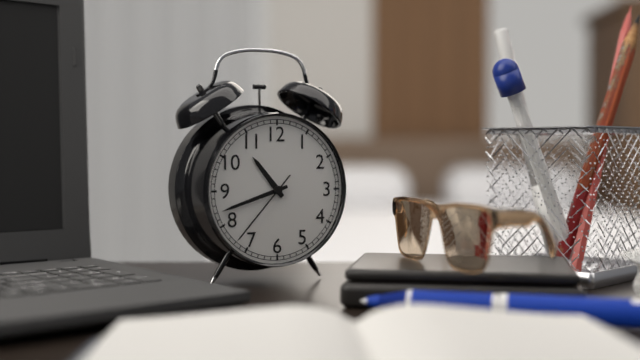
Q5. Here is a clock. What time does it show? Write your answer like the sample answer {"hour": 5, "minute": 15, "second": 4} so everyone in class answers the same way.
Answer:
{"hour": 10, "minute": 42, "second": 37}
